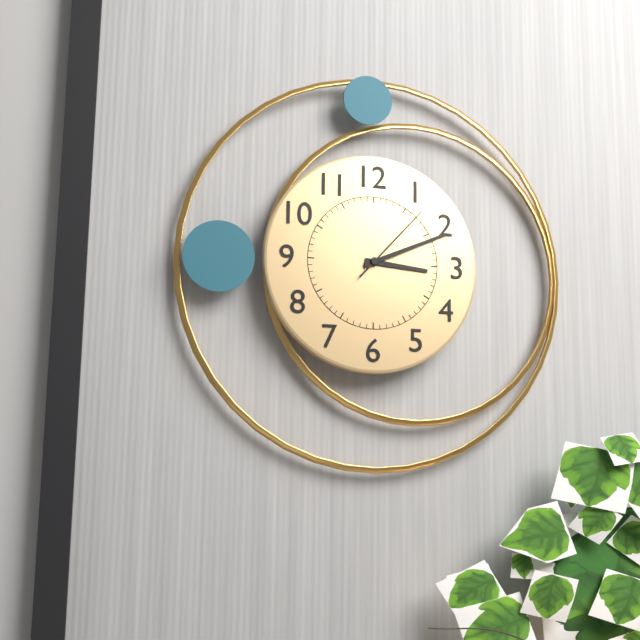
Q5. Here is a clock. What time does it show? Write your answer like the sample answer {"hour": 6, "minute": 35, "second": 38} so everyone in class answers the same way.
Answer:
{"hour": 3, "minute": 11, "second": 7}
